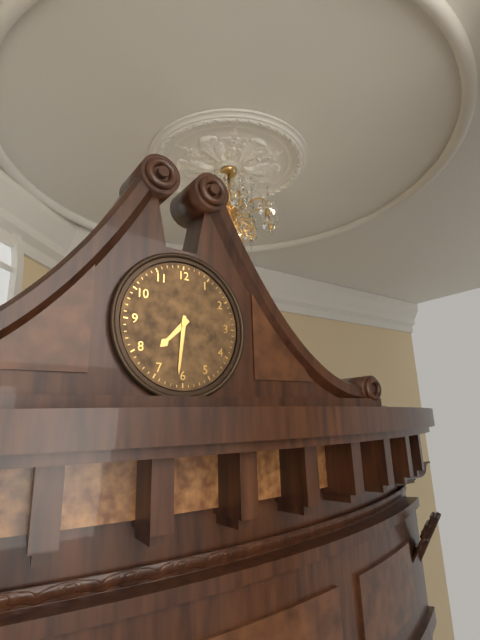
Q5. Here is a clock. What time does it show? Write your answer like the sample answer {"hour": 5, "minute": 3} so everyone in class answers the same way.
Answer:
{"hour": 7, "minute": 31}
